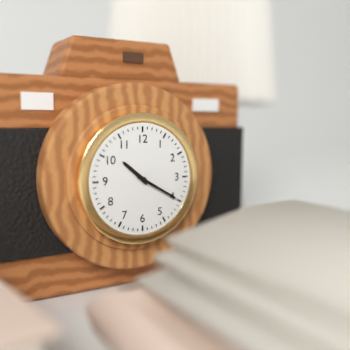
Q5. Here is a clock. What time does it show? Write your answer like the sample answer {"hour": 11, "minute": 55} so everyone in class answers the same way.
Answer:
{"hour": 10, "minute": 20}
